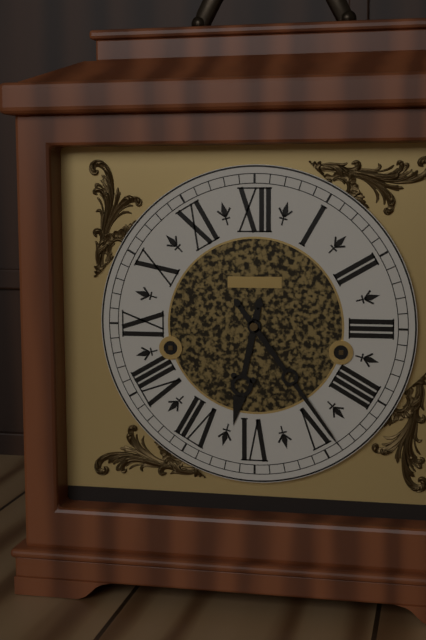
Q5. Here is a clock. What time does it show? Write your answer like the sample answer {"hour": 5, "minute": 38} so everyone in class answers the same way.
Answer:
{"hour": 6, "minute": 24}
